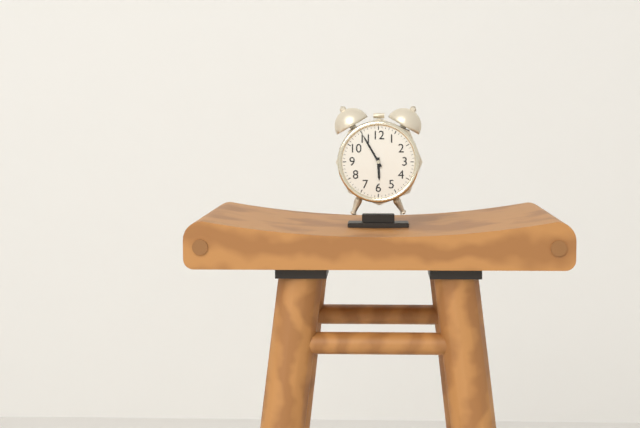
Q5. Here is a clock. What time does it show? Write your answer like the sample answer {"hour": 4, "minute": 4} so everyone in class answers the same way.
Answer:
{"hour": 5, "minute": 55}
